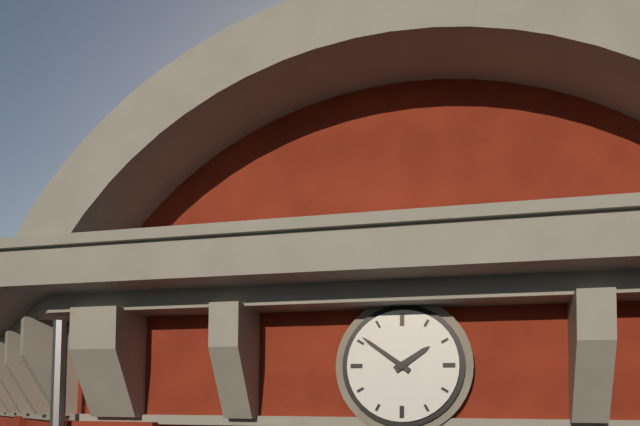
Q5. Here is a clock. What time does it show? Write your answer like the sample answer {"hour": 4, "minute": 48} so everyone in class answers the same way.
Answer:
{"hour": 1, "minute": 51}
